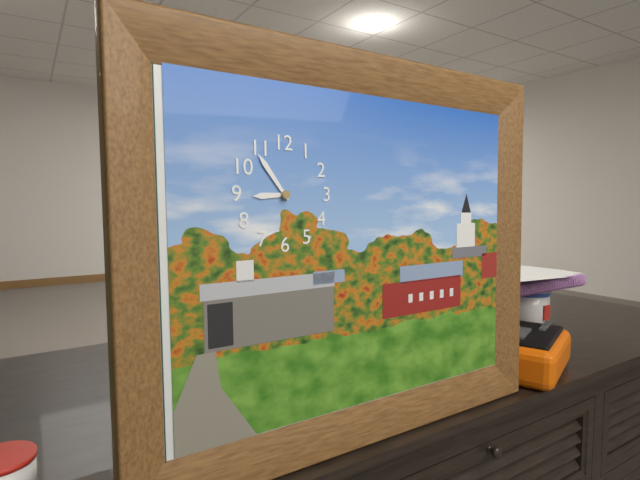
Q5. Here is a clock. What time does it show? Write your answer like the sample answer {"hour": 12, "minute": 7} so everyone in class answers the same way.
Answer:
{"hour": 8, "minute": 54}
